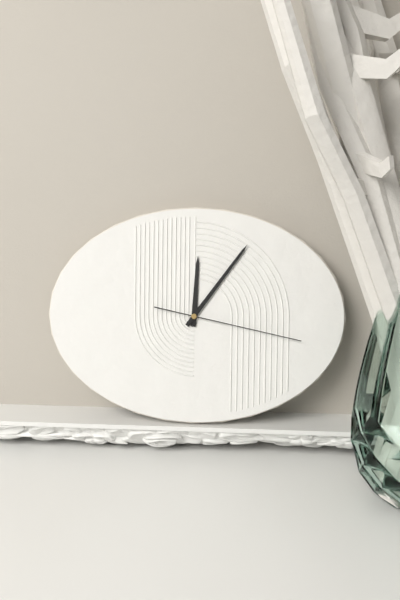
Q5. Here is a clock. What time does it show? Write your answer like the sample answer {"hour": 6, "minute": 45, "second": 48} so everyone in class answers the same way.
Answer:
{"hour": 12, "minute": 6, "second": 17}
